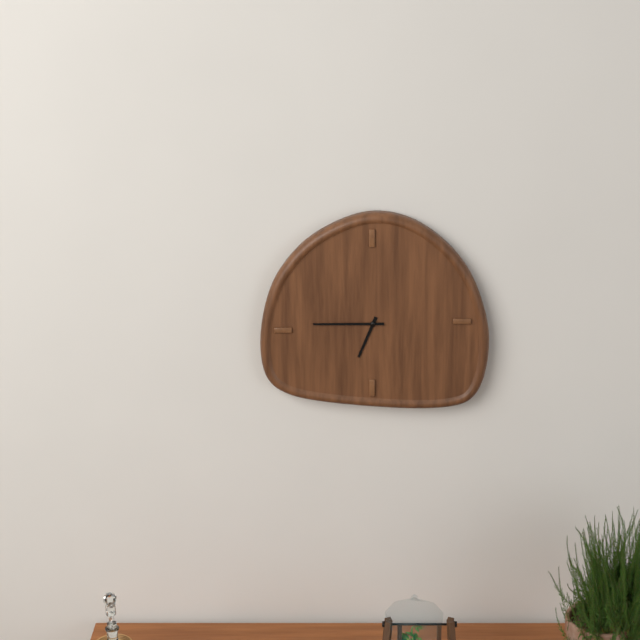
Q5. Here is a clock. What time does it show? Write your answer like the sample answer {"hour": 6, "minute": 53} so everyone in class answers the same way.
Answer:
{"hour": 6, "minute": 45}
